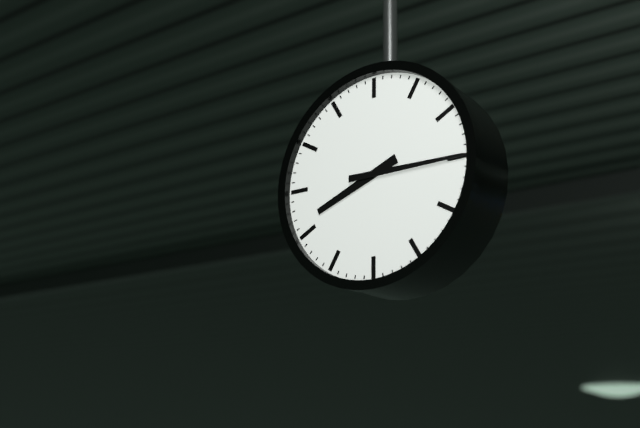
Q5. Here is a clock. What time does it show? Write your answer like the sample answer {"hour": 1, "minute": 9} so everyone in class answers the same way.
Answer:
{"hour": 8, "minute": 15}
